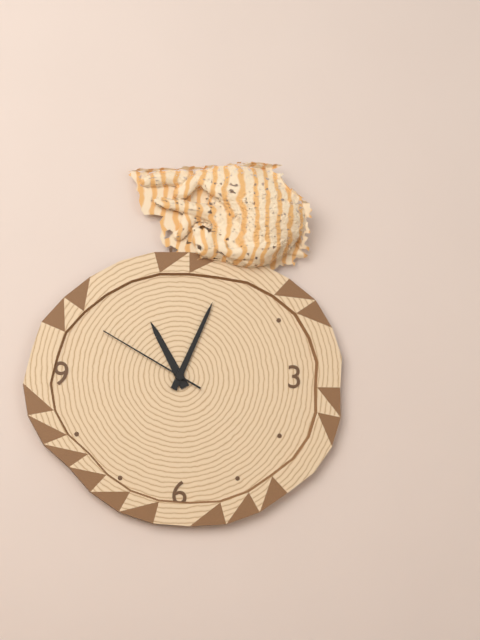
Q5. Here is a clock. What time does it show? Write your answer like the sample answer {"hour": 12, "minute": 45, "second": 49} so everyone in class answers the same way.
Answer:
{"hour": 11, "minute": 4, "second": 50}
